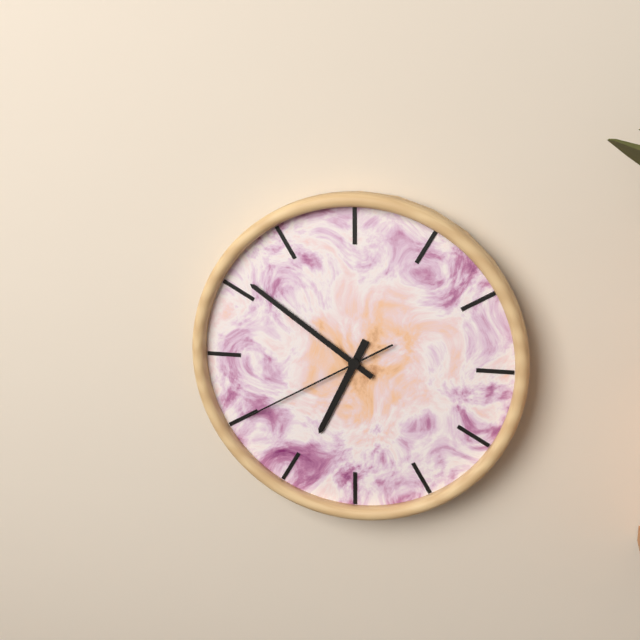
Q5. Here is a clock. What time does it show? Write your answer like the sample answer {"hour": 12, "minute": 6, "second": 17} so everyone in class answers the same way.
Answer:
{"hour": 6, "minute": 51, "second": 40}
